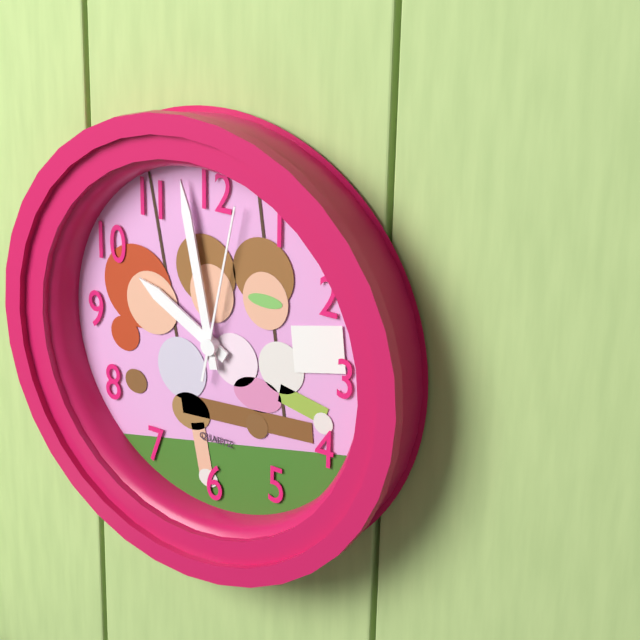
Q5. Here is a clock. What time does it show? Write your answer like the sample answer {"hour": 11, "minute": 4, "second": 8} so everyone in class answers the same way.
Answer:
{"hour": 9, "minute": 58, "second": 2}
